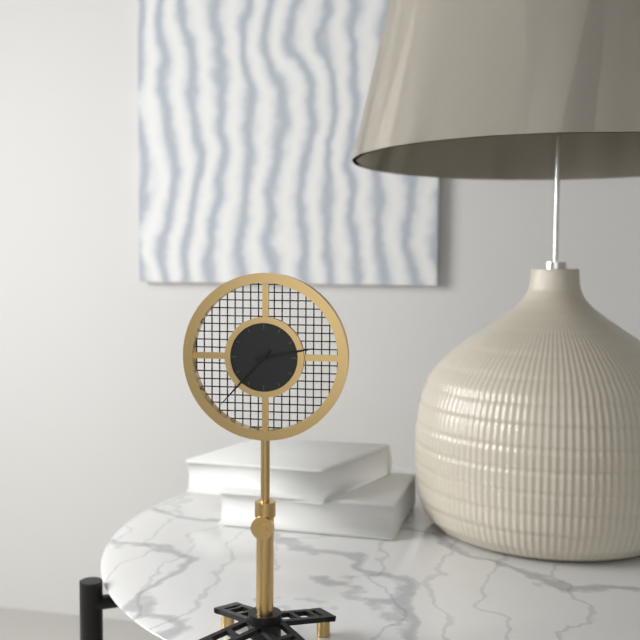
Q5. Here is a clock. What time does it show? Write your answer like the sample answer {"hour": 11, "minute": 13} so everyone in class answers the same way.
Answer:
{"hour": 2, "minute": 37}
